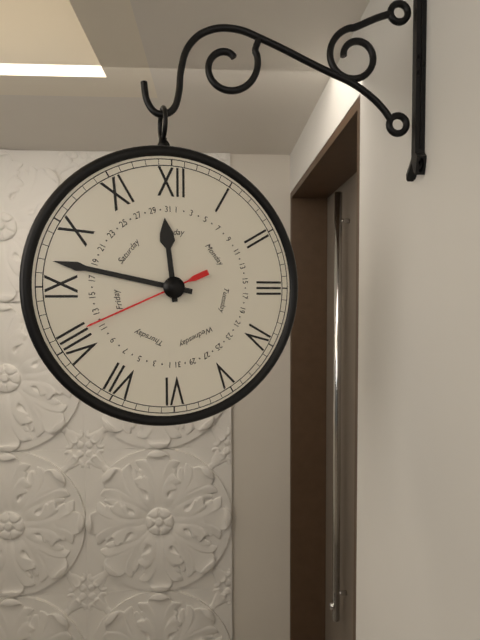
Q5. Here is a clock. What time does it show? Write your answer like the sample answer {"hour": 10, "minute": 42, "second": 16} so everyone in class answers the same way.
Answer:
{"hour": 11, "minute": 47, "second": 41}
